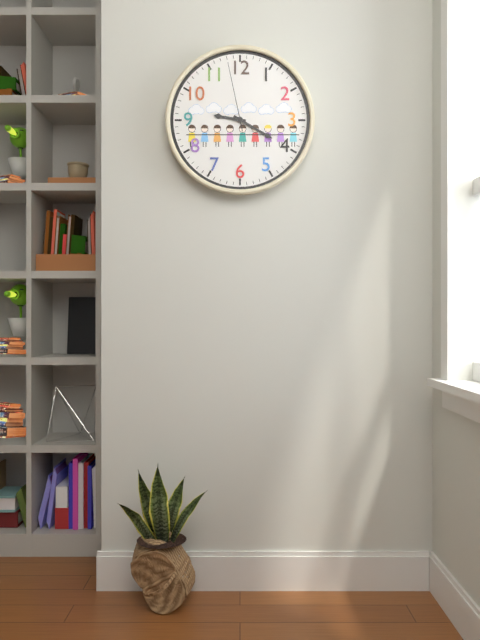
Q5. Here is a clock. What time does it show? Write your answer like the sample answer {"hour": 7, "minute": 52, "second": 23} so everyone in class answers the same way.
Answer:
{"hour": 9, "minute": 20, "second": 58}
